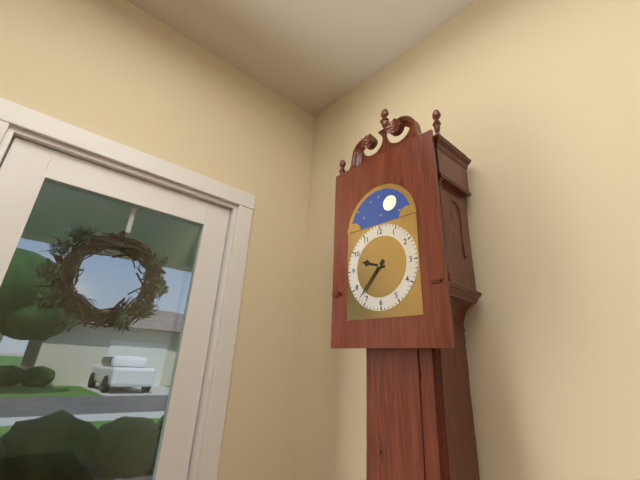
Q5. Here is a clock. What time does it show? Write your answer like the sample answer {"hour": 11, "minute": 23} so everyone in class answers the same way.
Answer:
{"hour": 9, "minute": 37}
